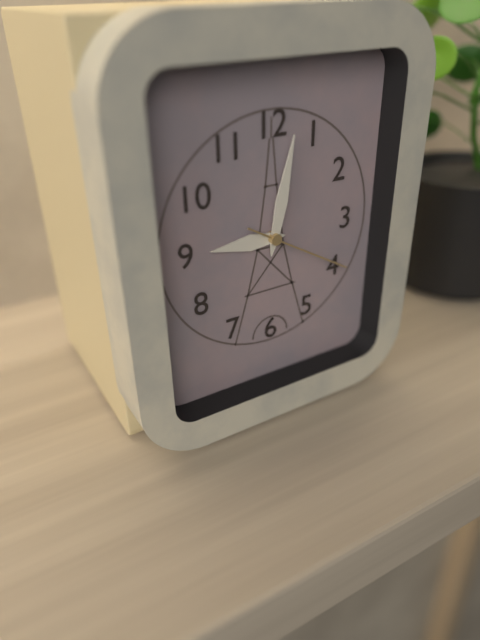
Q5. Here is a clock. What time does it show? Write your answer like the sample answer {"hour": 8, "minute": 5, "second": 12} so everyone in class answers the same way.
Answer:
{"hour": 9, "minute": 2, "second": 20}
